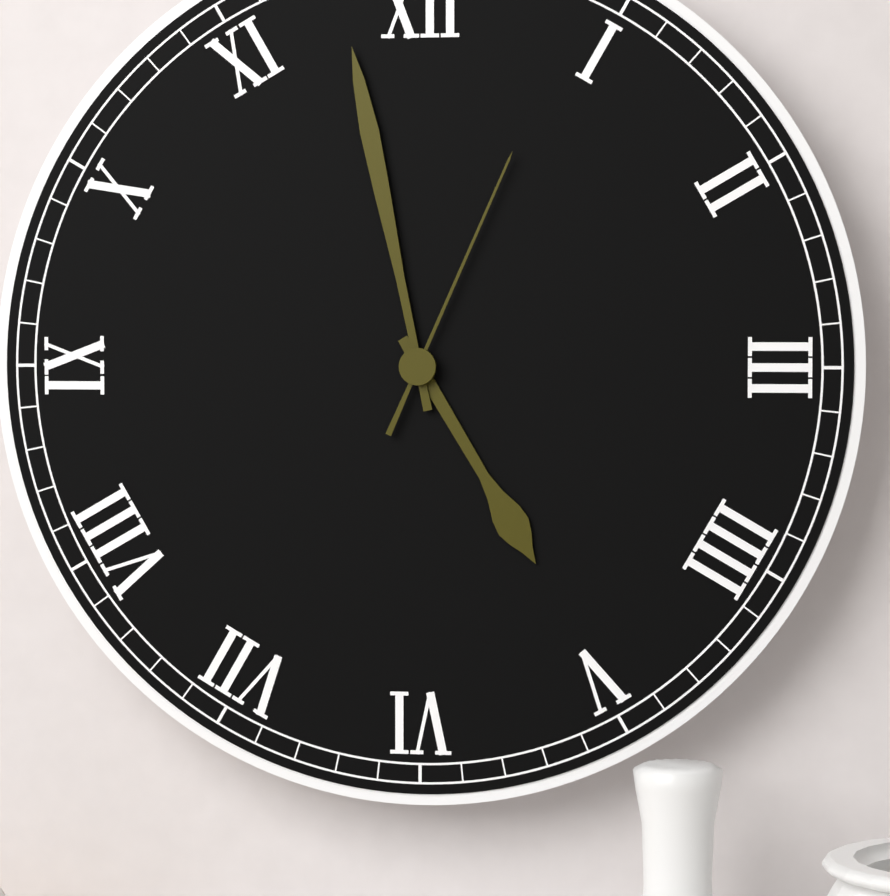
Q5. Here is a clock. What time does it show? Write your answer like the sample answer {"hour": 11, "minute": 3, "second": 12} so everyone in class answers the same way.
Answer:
{"hour": 4, "minute": 58, "second": 4}
